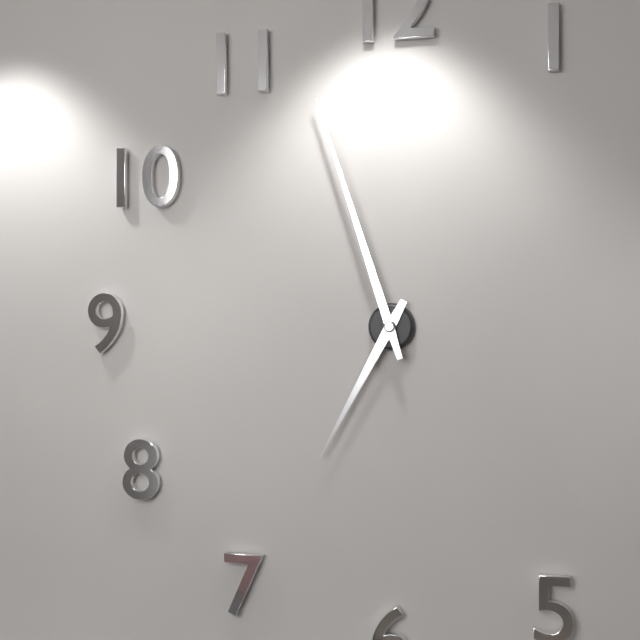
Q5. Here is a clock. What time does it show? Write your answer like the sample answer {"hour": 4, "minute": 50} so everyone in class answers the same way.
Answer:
{"hour": 6, "minute": 57}
